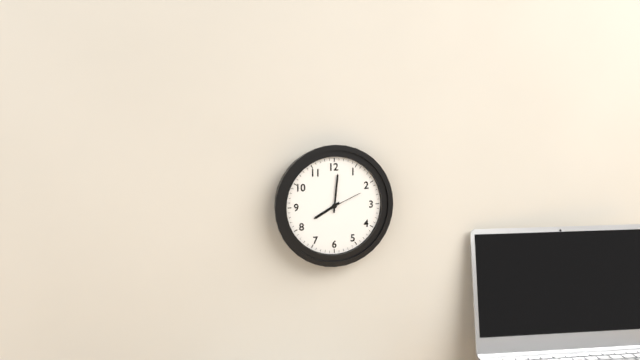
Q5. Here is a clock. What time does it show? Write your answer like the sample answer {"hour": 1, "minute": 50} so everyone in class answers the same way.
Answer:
{"hour": 8, "minute": 1}
